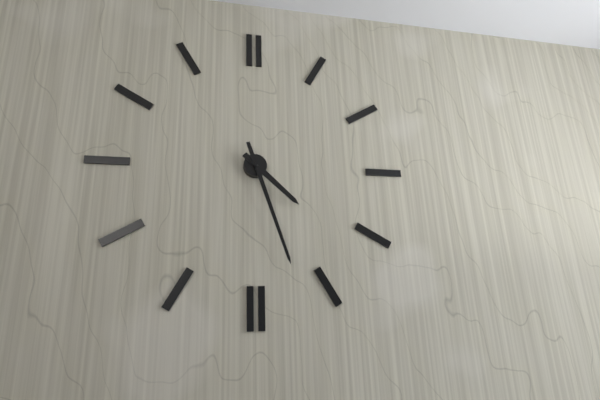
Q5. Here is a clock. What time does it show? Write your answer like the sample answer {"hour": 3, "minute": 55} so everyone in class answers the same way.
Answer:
{"hour": 4, "minute": 27}
